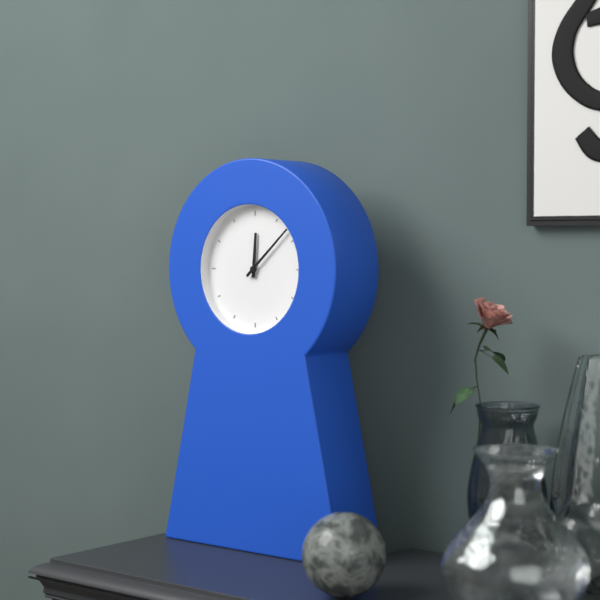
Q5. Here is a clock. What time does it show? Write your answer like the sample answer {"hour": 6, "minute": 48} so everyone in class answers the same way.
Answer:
{"hour": 12, "minute": 8}
